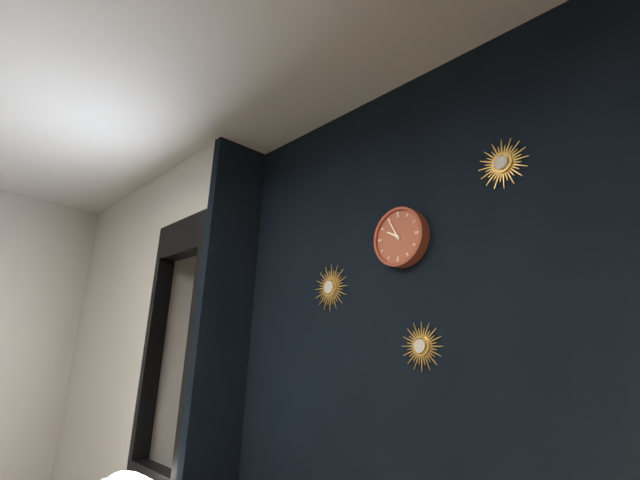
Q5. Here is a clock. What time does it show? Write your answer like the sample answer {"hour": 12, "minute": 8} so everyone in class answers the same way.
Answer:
{"hour": 9, "minute": 55}
